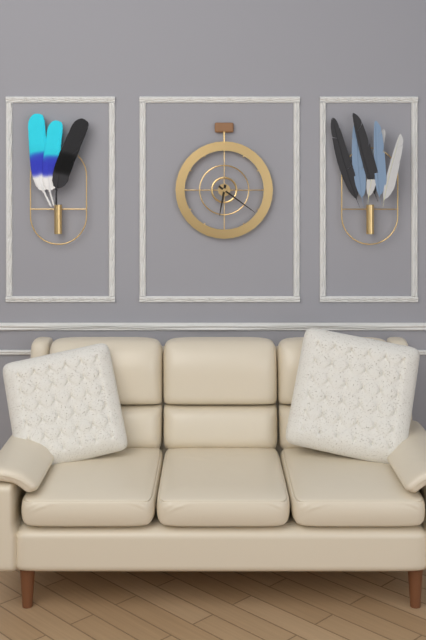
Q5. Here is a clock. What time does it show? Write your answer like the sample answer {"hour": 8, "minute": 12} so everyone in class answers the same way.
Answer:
{"hour": 6, "minute": 21}
